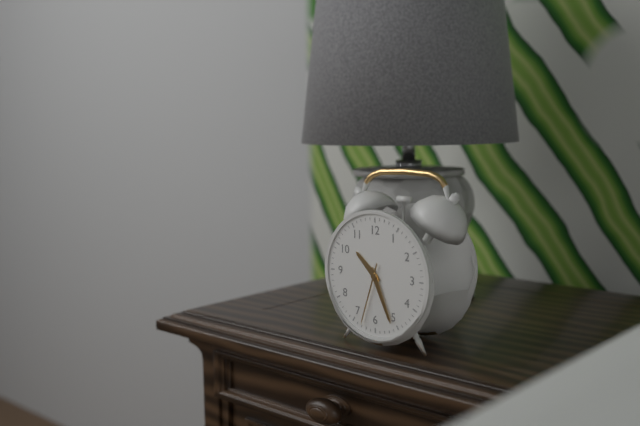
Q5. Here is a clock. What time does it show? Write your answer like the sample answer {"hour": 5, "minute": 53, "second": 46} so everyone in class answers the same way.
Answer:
{"hour": 10, "minute": 26, "second": 33}
